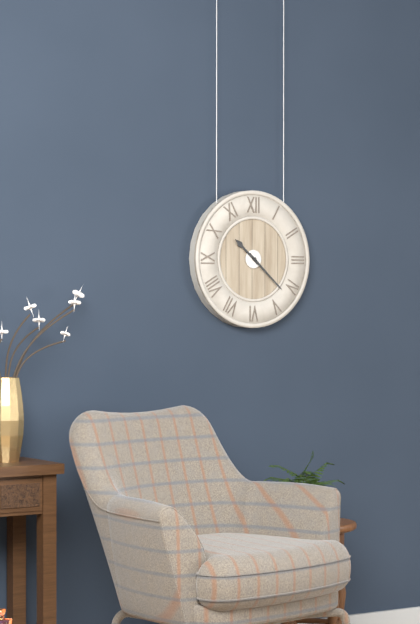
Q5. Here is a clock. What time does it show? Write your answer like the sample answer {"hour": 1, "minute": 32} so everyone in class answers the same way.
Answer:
{"hour": 10, "minute": 22}
